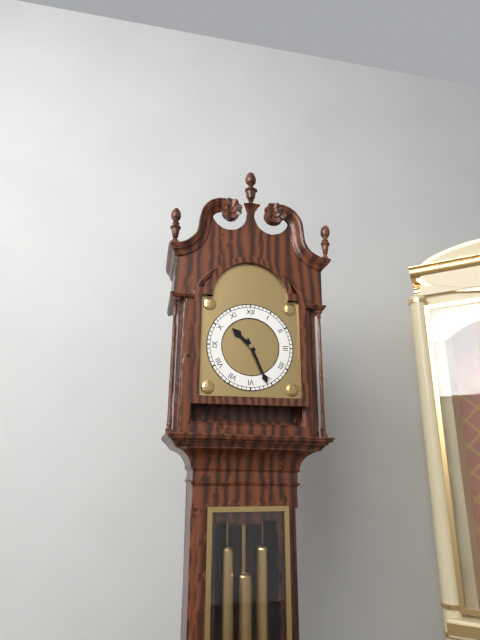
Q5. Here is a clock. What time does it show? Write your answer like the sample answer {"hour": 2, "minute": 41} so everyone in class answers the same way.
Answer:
{"hour": 10, "minute": 26}
